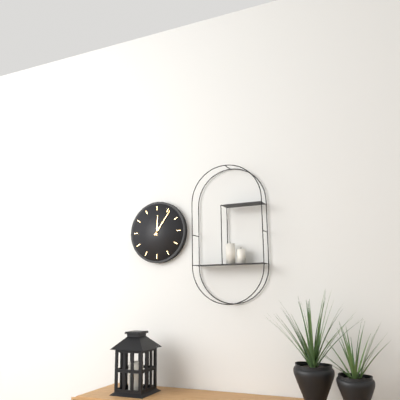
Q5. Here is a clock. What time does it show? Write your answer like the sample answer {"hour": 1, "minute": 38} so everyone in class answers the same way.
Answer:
{"hour": 12, "minute": 6}
